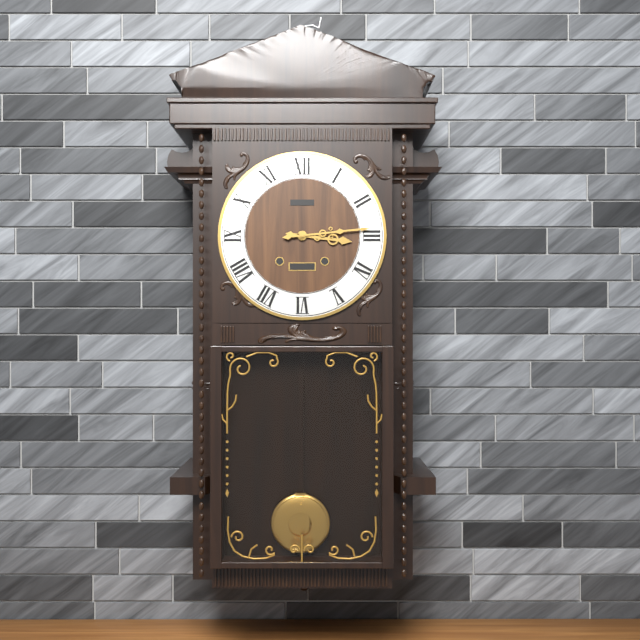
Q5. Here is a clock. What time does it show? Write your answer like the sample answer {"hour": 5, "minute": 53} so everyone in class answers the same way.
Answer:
{"hour": 3, "minute": 14}
